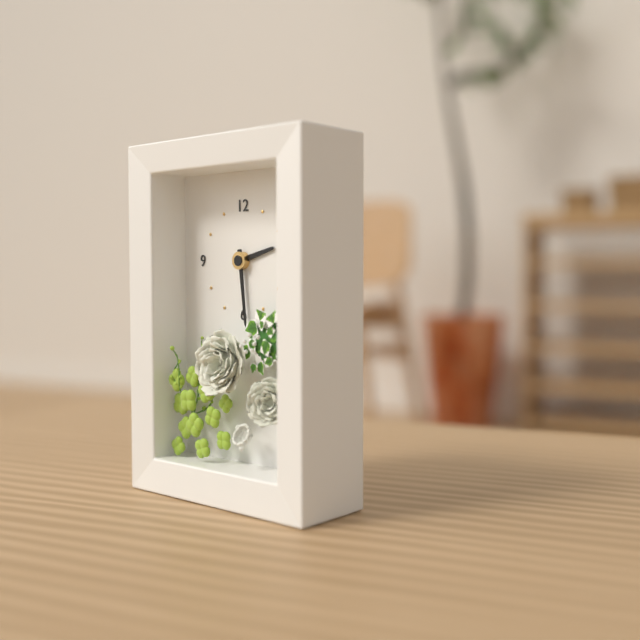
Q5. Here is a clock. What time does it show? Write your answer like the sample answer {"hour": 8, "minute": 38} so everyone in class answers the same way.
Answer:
{"hour": 2, "minute": 29}
